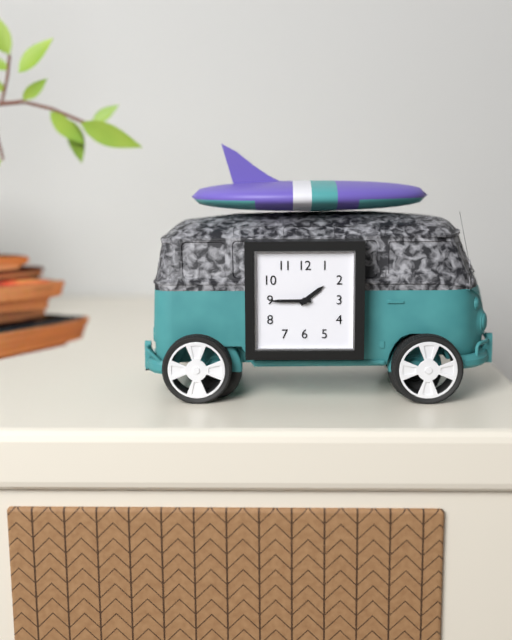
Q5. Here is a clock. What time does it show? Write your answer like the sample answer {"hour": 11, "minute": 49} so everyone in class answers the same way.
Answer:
{"hour": 1, "minute": 45}
